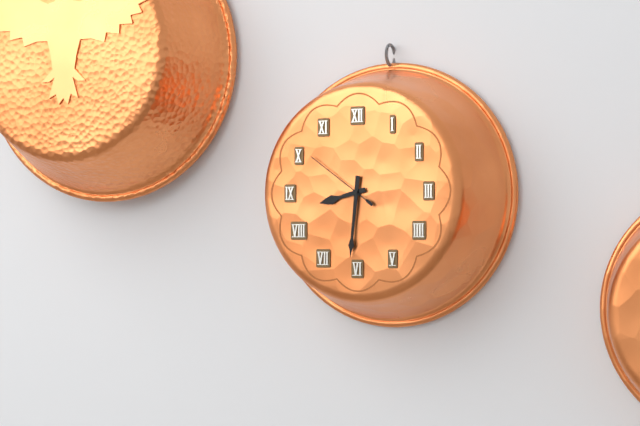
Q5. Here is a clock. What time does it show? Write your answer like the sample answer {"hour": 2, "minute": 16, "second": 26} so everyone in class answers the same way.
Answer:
{"hour": 8, "minute": 31, "second": 51}
